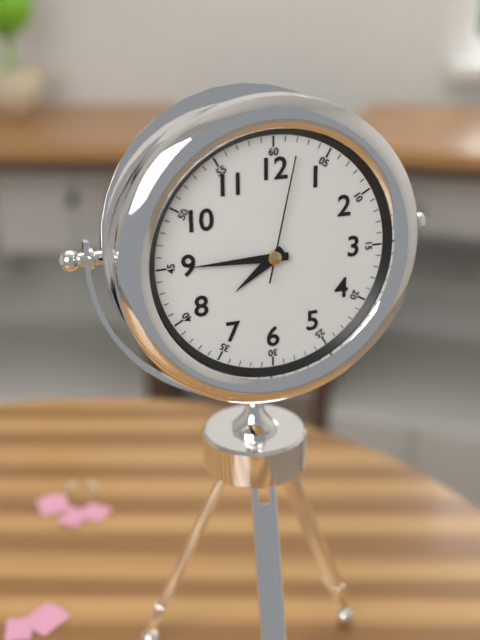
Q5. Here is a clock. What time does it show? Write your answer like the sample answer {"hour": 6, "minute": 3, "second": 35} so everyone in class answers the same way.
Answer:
{"hour": 7, "minute": 45, "second": 2}
